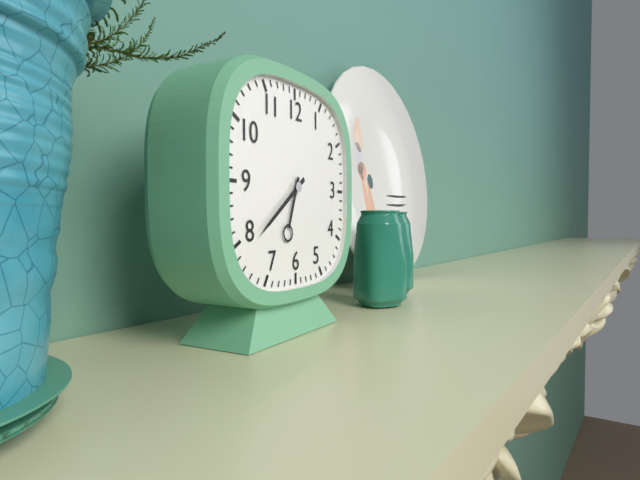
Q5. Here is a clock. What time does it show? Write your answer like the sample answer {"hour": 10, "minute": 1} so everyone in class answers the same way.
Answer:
{"hour": 6, "minute": 39}
